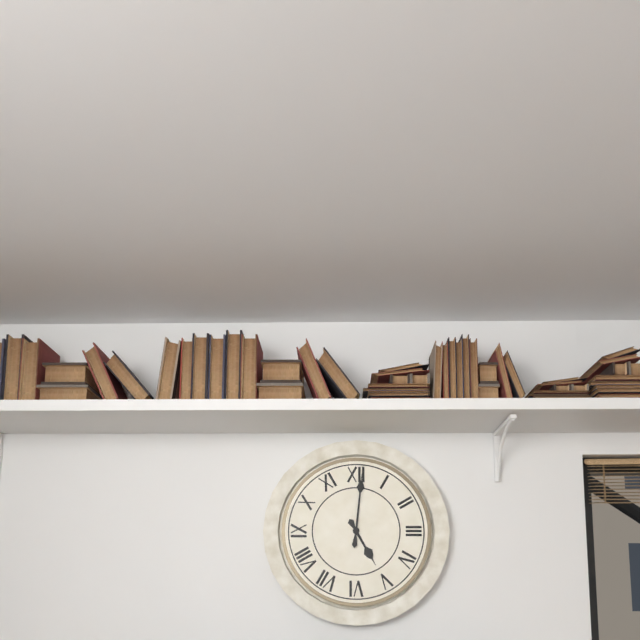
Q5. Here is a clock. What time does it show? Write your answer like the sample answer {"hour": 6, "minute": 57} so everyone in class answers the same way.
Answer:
{"hour": 5, "minute": 1}
